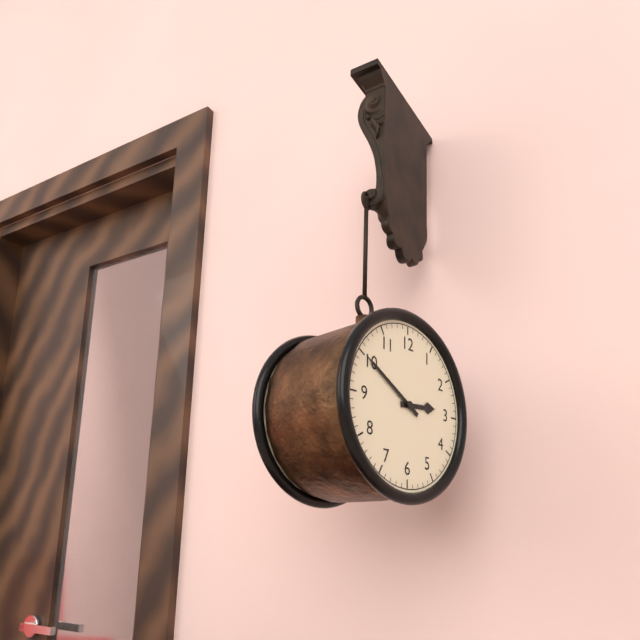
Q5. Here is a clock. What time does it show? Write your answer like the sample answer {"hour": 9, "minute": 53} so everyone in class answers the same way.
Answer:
{"hour": 2, "minute": 50}
